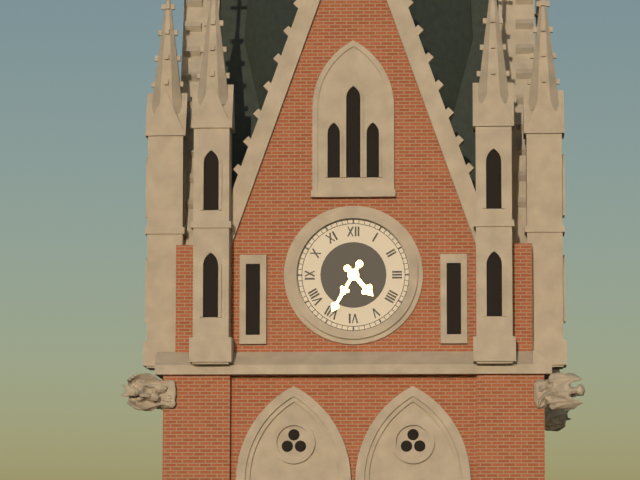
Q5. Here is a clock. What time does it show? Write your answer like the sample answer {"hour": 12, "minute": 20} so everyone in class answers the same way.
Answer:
{"hour": 4, "minute": 35}
